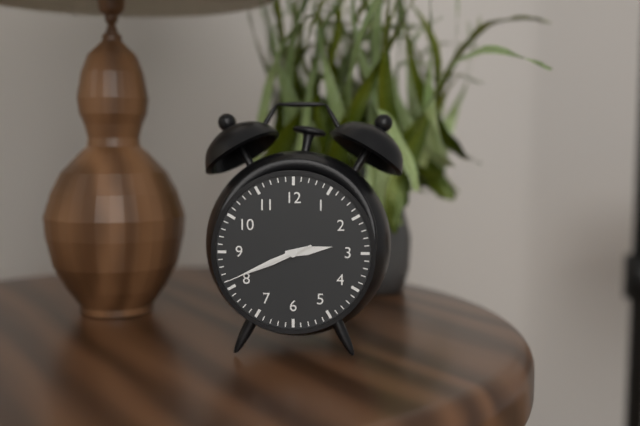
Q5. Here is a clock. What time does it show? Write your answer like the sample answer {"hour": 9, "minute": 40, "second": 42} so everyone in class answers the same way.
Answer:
{"hour": 2, "minute": 41, "second": 41}
